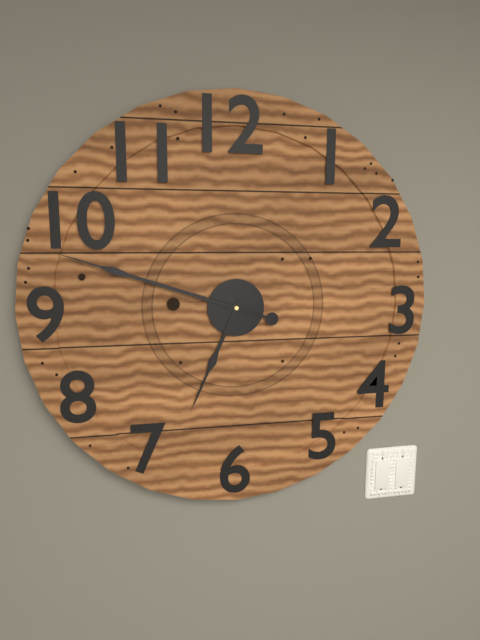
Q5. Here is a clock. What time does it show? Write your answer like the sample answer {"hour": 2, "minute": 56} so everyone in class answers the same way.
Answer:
{"hour": 6, "minute": 48}
